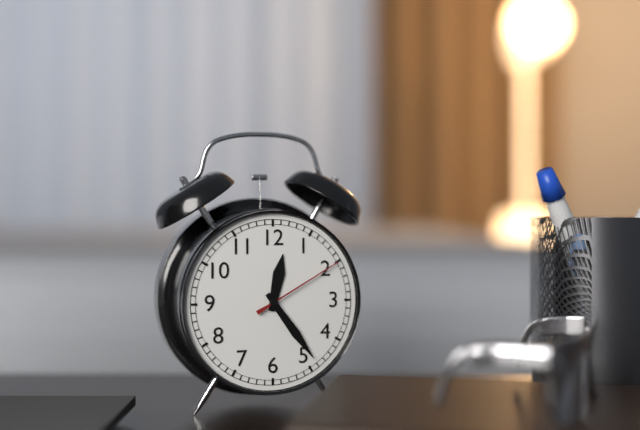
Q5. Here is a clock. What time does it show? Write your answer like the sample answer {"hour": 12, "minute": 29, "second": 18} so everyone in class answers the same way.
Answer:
{"hour": 12, "minute": 24, "second": 10}
